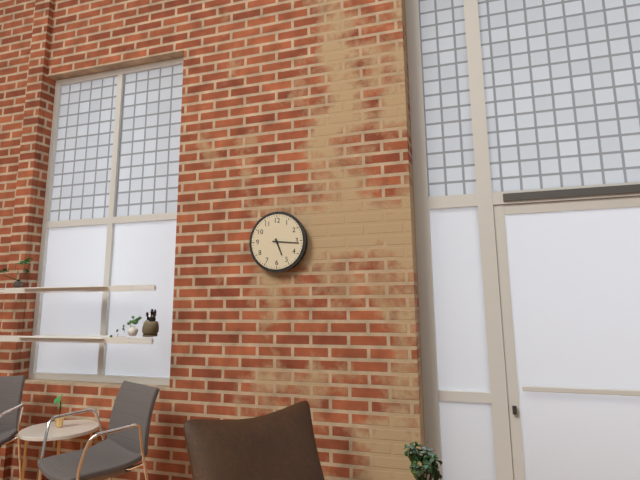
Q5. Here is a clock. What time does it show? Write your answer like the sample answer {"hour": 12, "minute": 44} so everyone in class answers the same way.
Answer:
{"hour": 5, "minute": 16}
